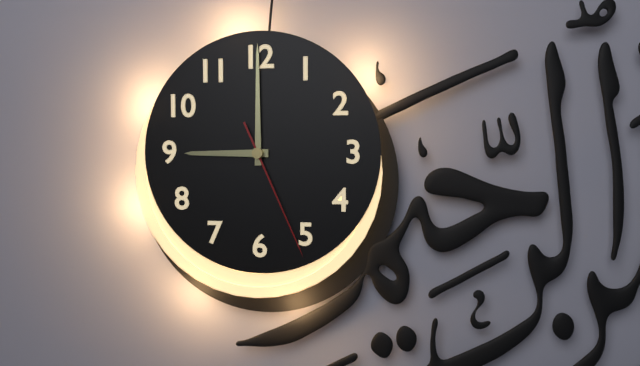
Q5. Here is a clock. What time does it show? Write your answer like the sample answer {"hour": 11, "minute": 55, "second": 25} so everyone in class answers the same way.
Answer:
{"hour": 9, "minute": 0, "second": 26}
